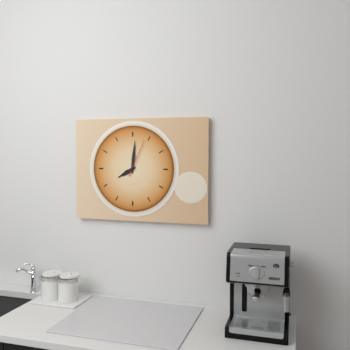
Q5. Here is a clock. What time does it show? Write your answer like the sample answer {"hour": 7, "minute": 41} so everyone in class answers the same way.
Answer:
{"hour": 8, "minute": 1}
